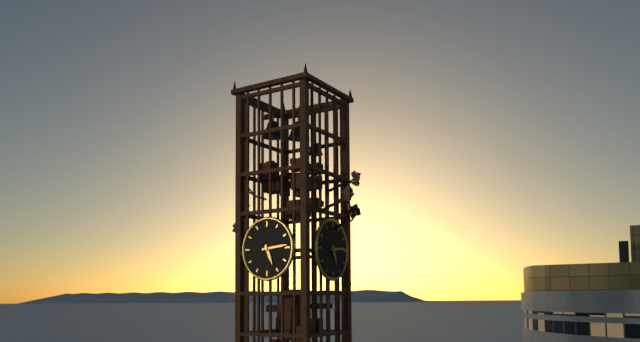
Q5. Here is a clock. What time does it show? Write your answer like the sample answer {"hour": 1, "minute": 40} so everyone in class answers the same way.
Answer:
{"hour": 5, "minute": 14}
